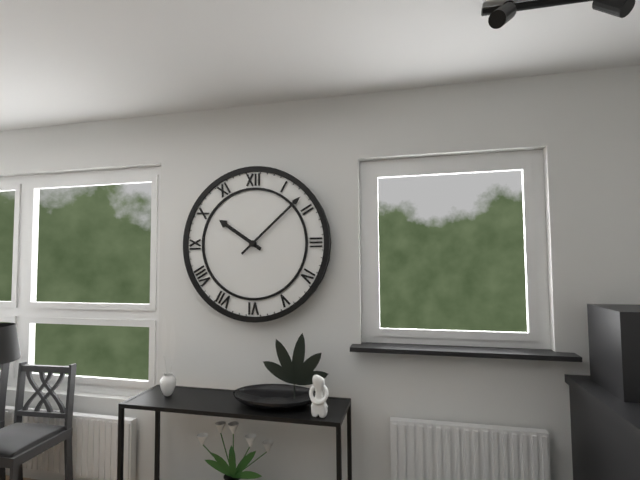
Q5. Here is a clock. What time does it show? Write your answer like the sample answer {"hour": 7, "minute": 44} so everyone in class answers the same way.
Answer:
{"hour": 10, "minute": 8}
